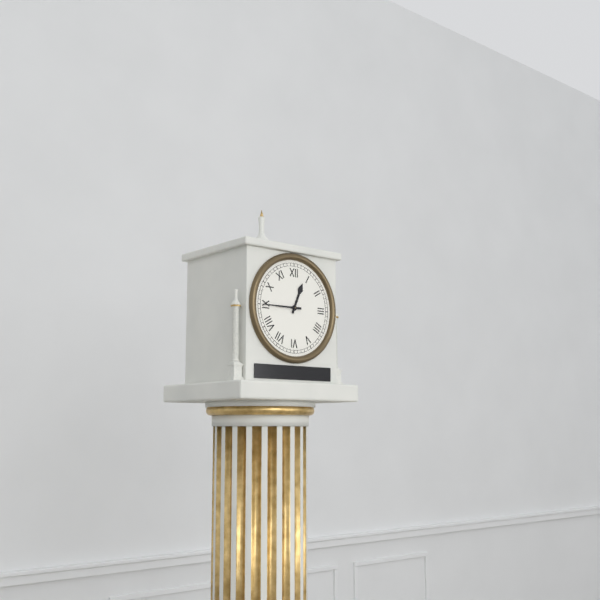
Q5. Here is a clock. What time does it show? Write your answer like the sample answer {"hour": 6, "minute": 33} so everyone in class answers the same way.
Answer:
{"hour": 12, "minute": 45}
